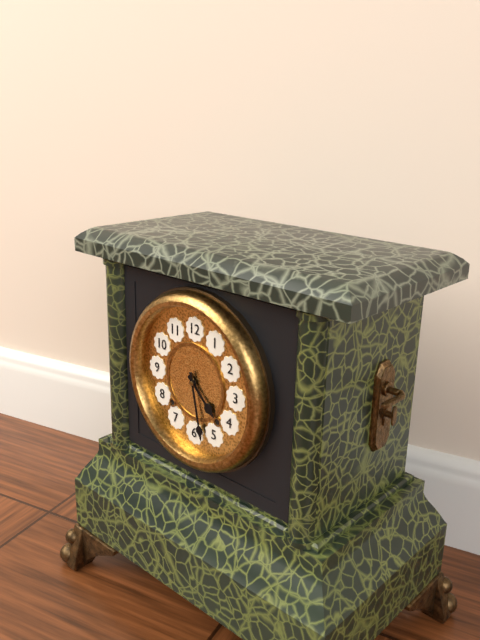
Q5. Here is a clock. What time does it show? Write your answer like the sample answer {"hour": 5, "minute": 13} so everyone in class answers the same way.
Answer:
{"hour": 4, "minute": 28}
